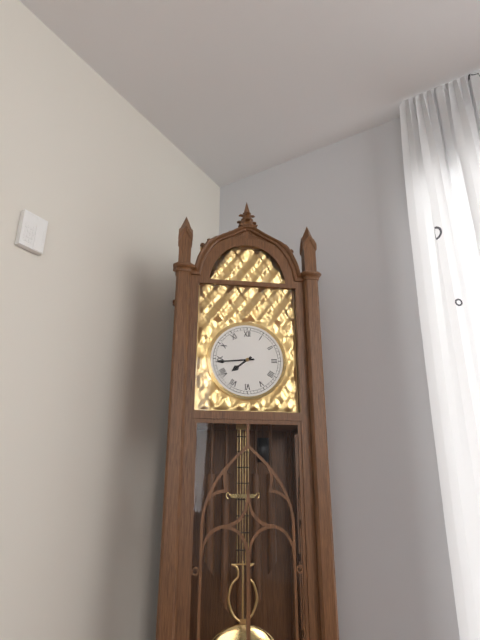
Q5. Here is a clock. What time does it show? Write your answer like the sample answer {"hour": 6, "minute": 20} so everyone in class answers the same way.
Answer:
{"hour": 7, "minute": 44}
